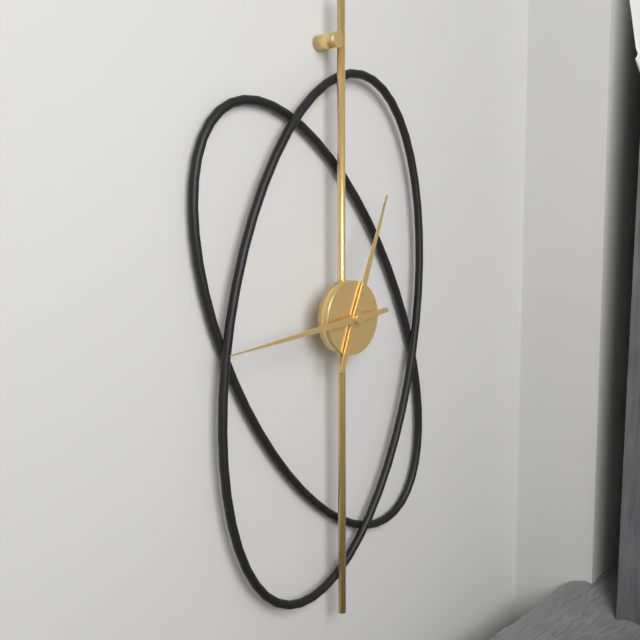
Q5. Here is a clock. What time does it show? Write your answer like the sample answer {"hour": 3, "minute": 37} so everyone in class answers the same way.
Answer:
{"hour": 12, "minute": 44}
